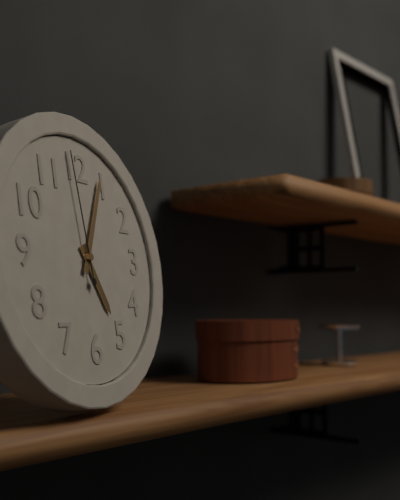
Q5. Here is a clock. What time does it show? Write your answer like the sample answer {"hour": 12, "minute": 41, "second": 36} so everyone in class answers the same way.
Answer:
{"hour": 5, "minute": 4, "second": 59}
